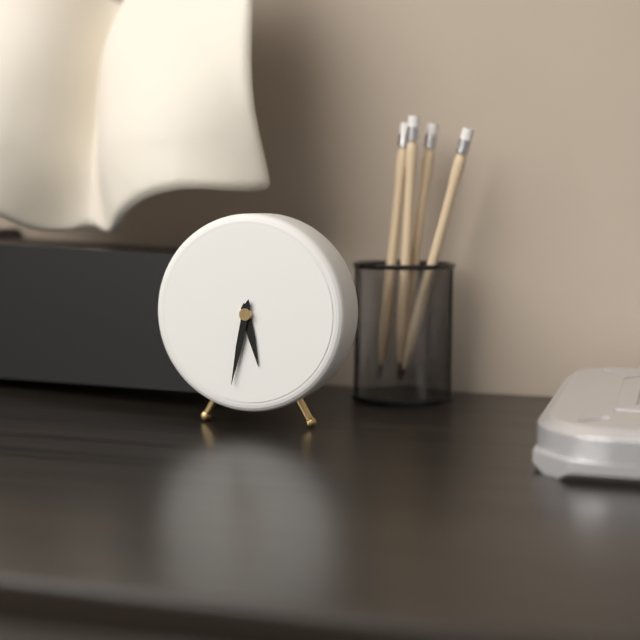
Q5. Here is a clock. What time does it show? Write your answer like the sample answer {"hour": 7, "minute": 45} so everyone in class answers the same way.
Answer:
{"hour": 5, "minute": 32}
